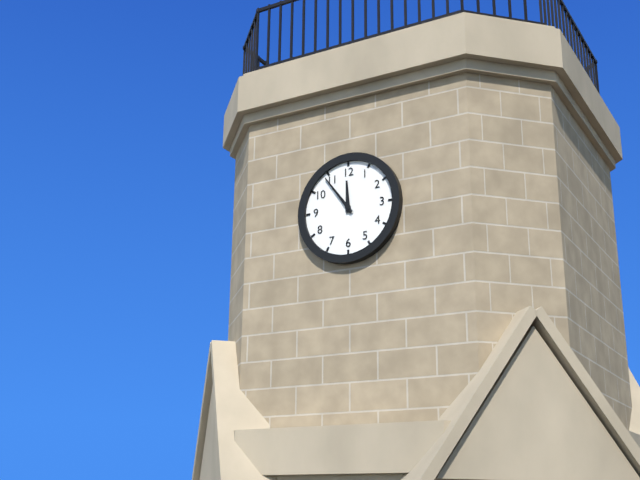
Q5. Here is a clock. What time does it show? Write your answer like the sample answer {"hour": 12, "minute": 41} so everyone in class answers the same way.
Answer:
{"hour": 11, "minute": 54}
